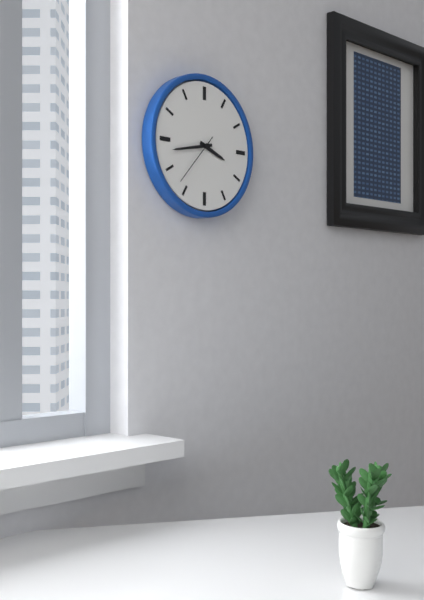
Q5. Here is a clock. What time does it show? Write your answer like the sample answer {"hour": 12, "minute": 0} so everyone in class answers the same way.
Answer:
{"hour": 3, "minute": 43}
